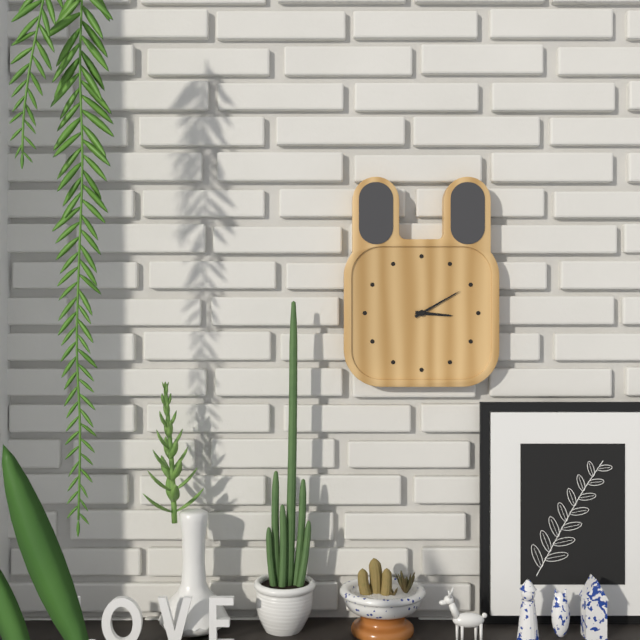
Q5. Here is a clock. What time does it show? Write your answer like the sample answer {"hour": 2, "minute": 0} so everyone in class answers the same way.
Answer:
{"hour": 3, "minute": 10}
